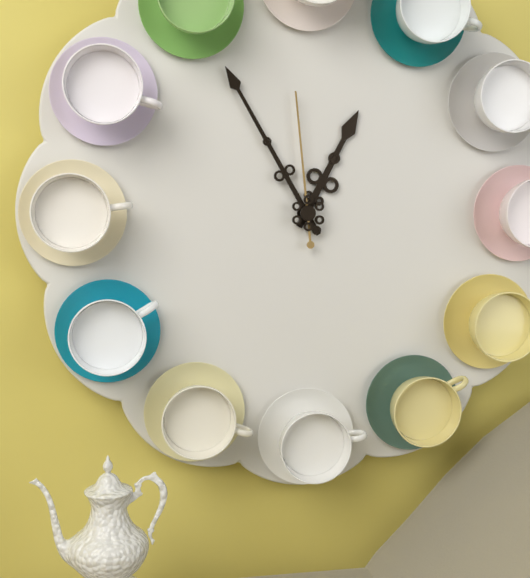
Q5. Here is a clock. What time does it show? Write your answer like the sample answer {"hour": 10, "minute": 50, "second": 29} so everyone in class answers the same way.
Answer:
{"hour": 12, "minute": 55, "second": 59}
